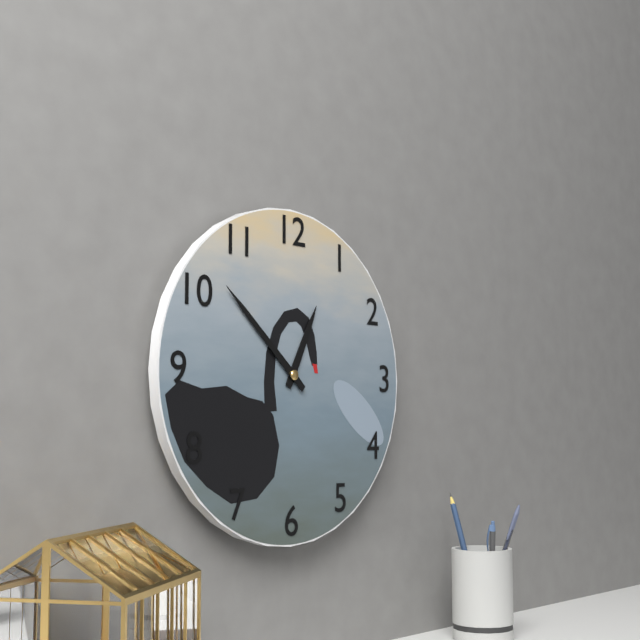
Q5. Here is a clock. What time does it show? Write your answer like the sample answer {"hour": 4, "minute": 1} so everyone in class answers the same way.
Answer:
{"hour": 12, "minute": 52}
